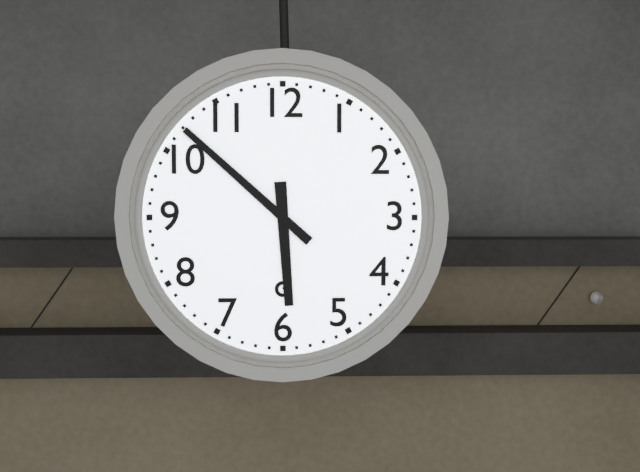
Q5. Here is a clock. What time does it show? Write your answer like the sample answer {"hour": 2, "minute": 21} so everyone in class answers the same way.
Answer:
{"hour": 5, "minute": 52}
